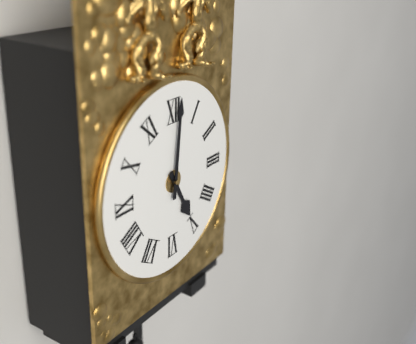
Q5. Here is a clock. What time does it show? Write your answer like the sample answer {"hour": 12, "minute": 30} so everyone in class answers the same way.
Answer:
{"hour": 5, "minute": 1}
